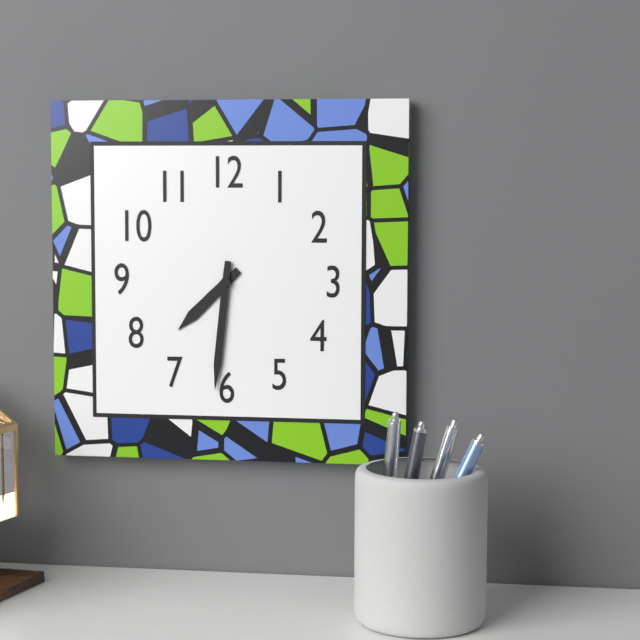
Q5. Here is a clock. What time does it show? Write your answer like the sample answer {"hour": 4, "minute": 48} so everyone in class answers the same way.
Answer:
{"hour": 7, "minute": 31}
